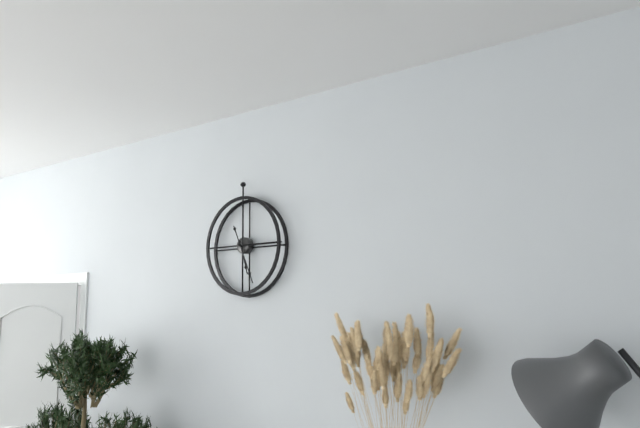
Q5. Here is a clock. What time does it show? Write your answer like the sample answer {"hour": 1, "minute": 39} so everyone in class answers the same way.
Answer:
{"hour": 5, "minute": 26}
